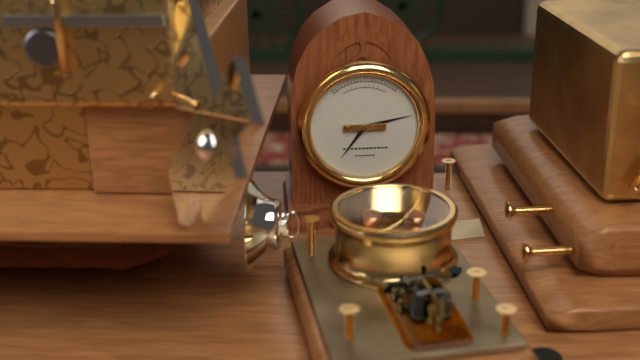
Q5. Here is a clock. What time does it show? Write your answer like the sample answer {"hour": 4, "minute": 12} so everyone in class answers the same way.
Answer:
{"hour": 7, "minute": 13}
